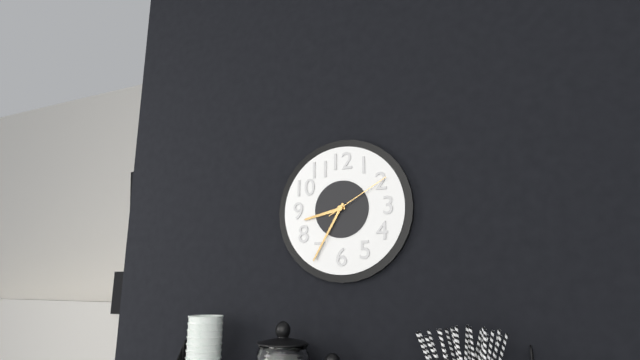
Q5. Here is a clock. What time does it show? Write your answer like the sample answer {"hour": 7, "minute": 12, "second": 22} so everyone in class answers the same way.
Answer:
{"hour": 8, "minute": 35, "second": 10}
